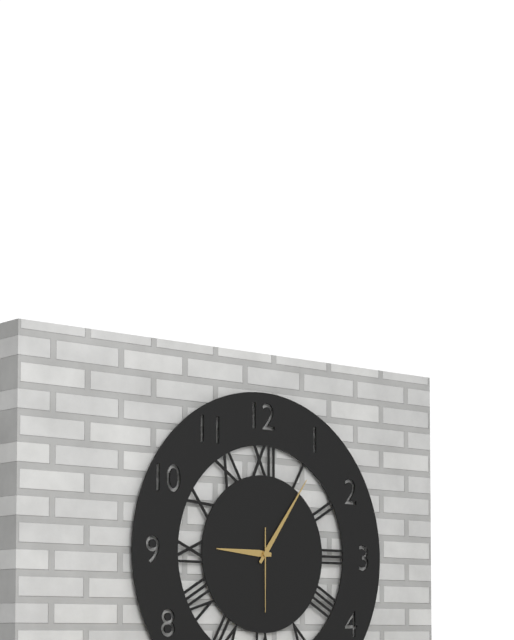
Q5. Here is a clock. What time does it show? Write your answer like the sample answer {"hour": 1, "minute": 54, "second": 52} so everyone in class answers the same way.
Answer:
{"hour": 9, "minute": 6, "second": 30}
